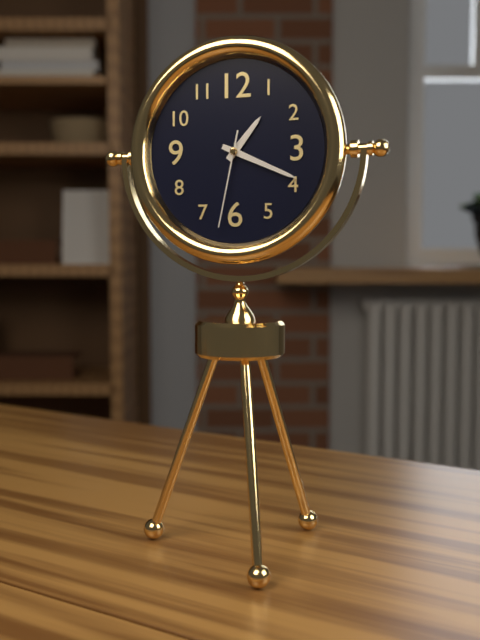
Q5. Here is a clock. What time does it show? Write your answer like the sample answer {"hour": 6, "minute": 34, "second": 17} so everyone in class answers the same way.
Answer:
{"hour": 1, "minute": 19, "second": 32}
